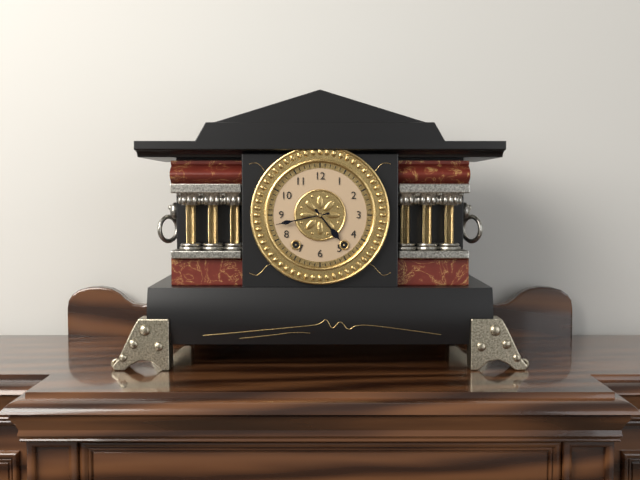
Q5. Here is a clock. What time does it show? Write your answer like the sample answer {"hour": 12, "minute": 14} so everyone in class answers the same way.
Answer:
{"hour": 4, "minute": 43}
